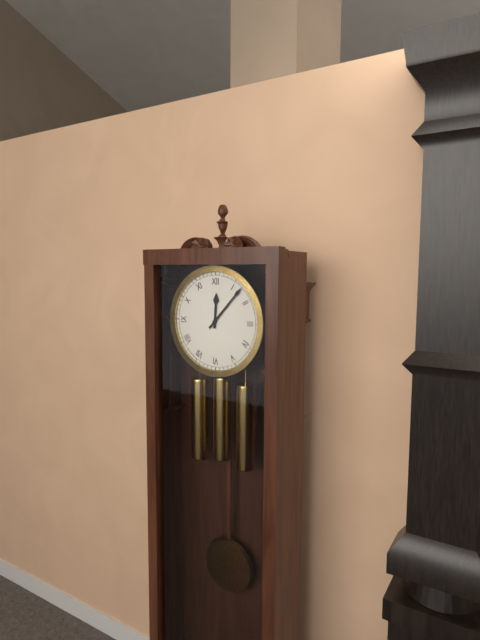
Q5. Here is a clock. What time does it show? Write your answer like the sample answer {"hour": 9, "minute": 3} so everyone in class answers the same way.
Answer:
{"hour": 12, "minute": 7}
